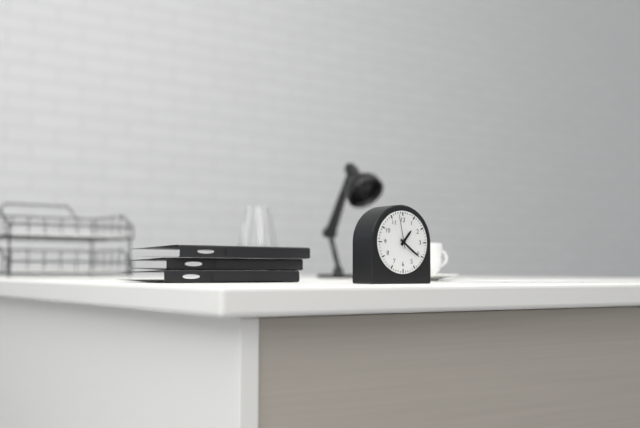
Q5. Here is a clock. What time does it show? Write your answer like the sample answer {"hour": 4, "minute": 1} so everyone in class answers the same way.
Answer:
{"hour": 1, "minute": 21}
